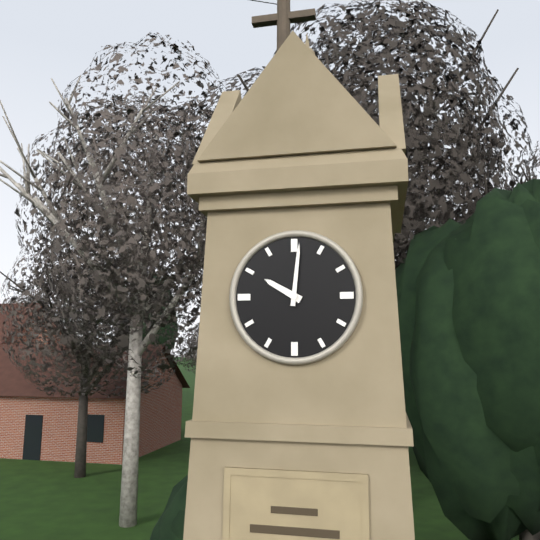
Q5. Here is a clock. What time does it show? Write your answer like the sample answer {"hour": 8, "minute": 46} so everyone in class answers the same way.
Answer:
{"hour": 10, "minute": 1}
